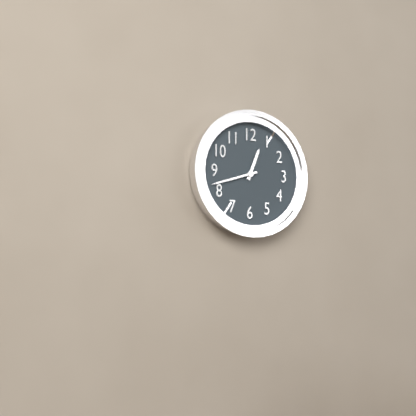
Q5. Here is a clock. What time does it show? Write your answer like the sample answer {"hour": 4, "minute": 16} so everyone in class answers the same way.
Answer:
{"hour": 12, "minute": 42}
